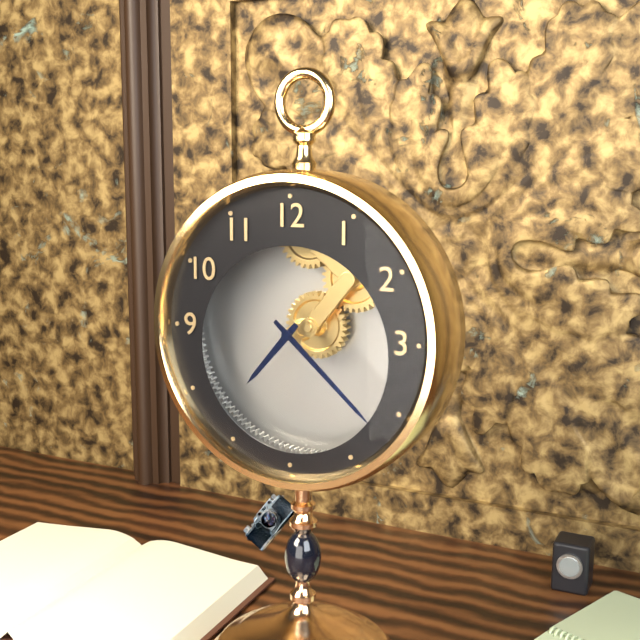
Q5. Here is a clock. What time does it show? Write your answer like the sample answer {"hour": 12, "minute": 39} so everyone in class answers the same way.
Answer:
{"hour": 7, "minute": 22}
